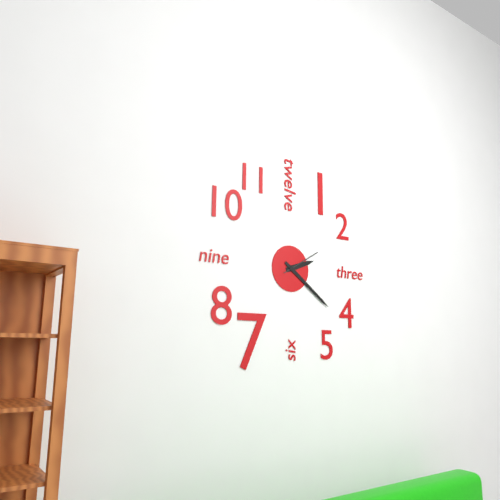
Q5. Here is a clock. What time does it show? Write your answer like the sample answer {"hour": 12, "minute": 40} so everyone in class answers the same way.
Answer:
{"hour": 2, "minute": 21}
